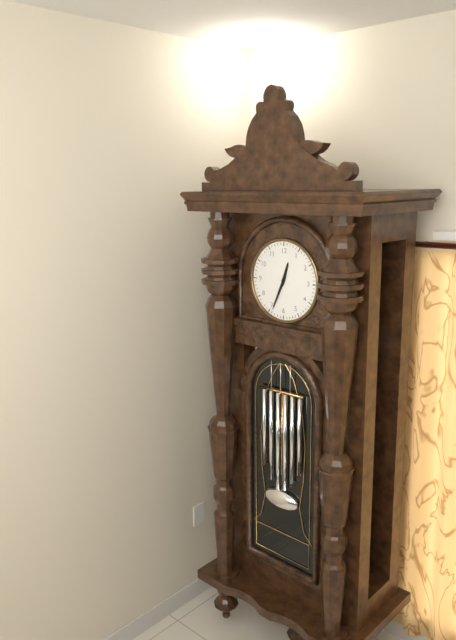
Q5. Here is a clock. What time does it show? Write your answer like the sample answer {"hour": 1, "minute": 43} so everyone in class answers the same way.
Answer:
{"hour": 12, "minute": 34}
